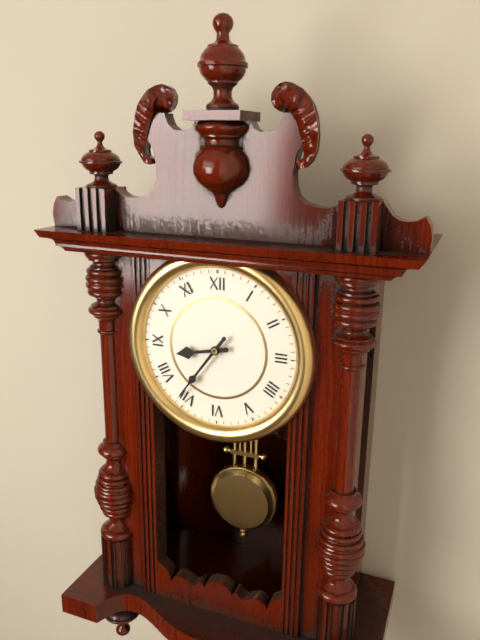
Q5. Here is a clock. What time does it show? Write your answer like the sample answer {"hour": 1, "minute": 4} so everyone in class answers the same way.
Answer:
{"hour": 8, "minute": 36}
